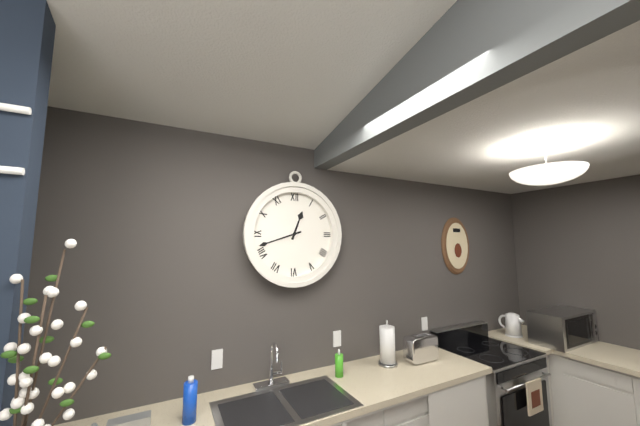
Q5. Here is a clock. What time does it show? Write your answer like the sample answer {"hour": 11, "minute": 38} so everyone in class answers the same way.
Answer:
{"hour": 12, "minute": 42}
